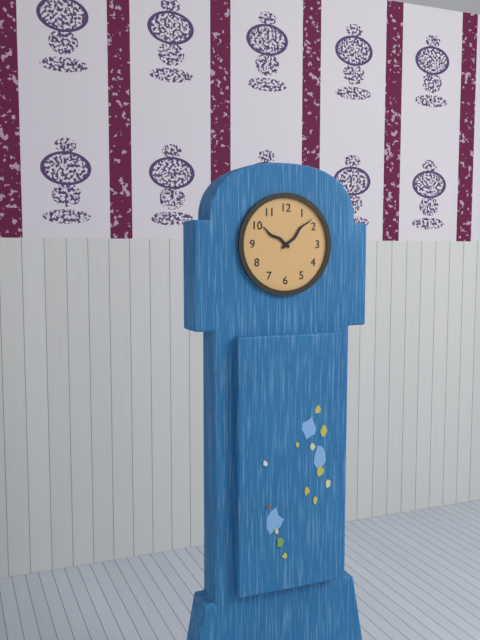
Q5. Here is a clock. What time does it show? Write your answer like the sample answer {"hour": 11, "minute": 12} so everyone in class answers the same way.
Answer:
{"hour": 10, "minute": 8}
